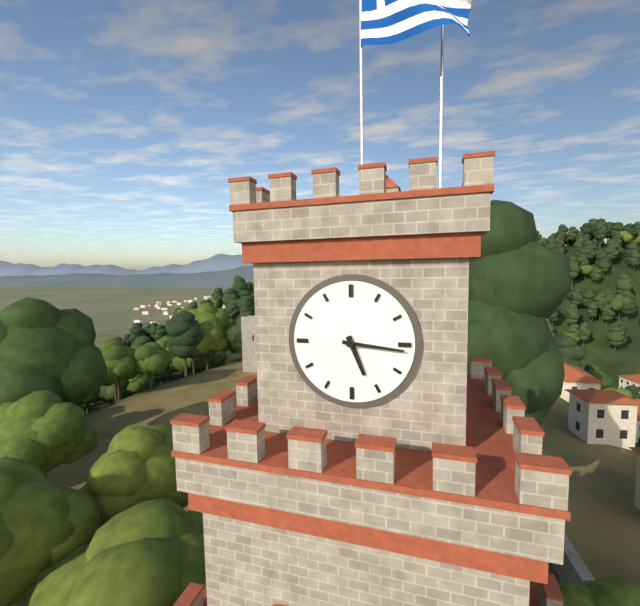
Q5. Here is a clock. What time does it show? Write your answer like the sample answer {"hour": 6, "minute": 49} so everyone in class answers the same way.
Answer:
{"hour": 5, "minute": 16}
